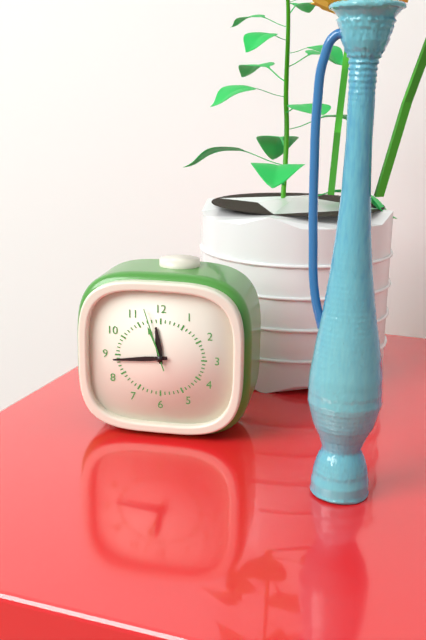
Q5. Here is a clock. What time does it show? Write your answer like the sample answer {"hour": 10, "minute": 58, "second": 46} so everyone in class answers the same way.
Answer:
{"hour": 11, "minute": 44, "second": 57}
